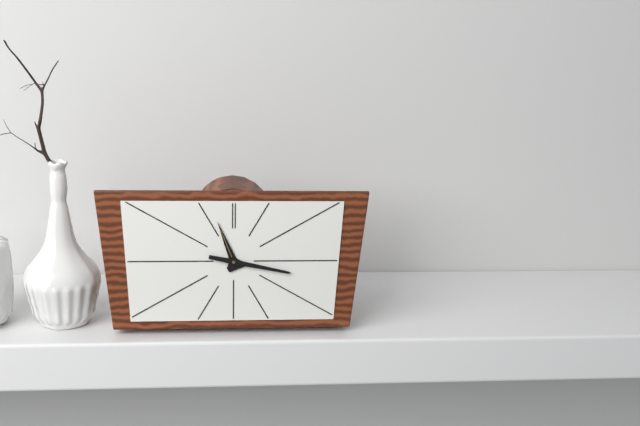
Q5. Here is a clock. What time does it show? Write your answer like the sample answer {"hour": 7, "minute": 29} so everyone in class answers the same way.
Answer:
{"hour": 11, "minute": 17}
